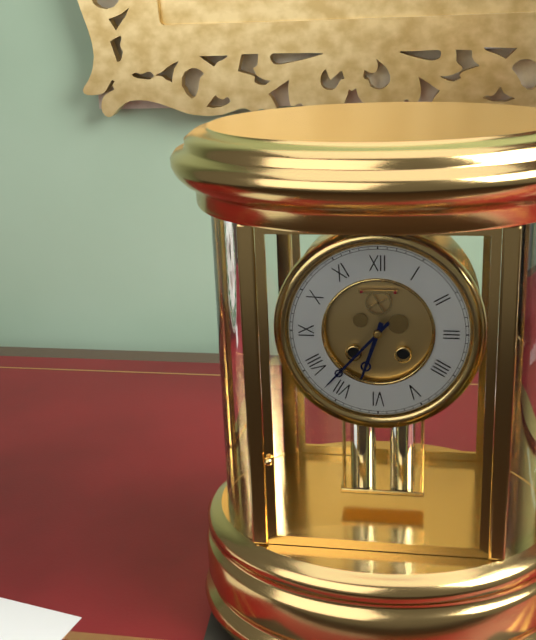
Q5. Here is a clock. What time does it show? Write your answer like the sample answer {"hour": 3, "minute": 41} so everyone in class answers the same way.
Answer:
{"hour": 6, "minute": 37}
